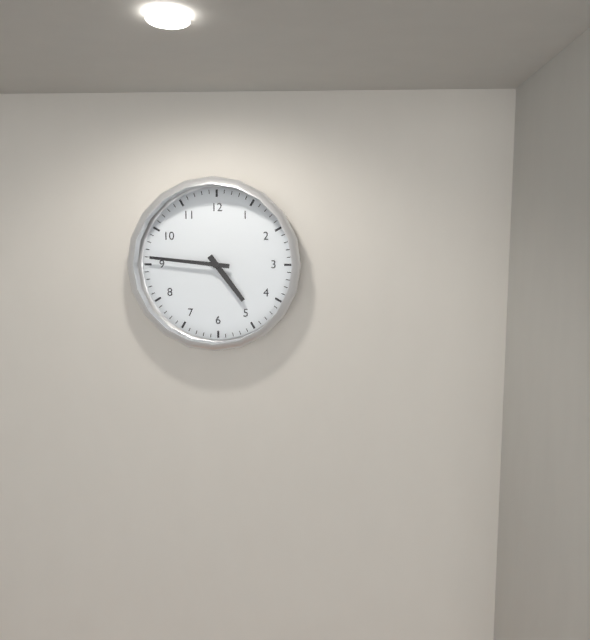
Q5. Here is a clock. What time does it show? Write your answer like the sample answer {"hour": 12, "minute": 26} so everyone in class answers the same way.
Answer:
{"hour": 4, "minute": 46}
